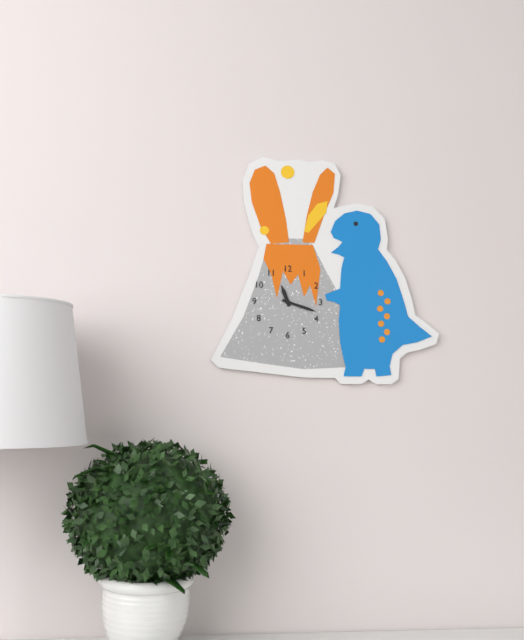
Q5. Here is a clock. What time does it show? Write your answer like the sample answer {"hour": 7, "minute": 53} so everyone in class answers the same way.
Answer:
{"hour": 11, "minute": 18}
